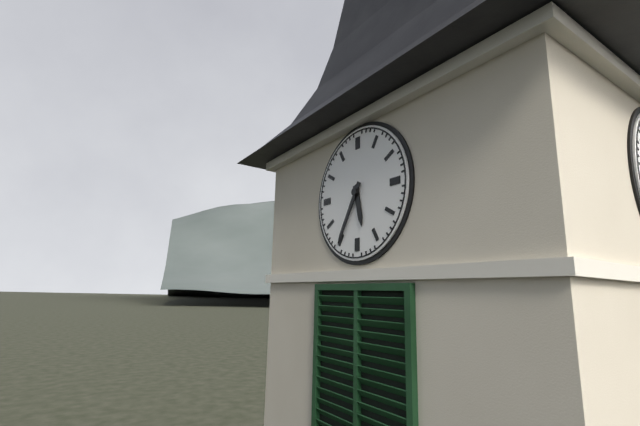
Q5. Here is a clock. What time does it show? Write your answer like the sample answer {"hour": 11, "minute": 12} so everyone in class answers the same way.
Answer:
{"hour": 5, "minute": 35}
